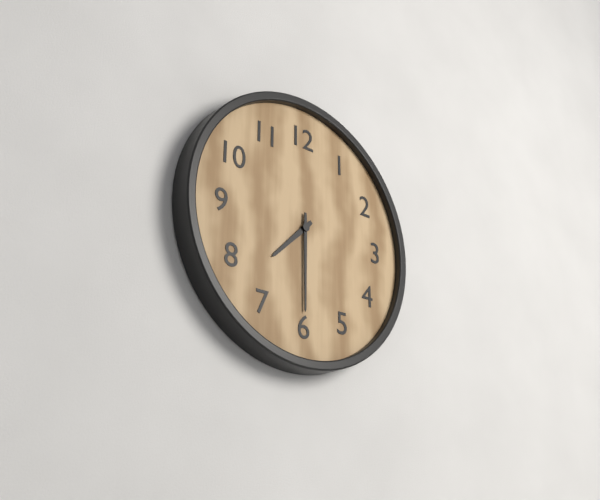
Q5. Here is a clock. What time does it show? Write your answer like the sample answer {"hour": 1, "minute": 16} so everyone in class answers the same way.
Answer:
{"hour": 7, "minute": 30}
